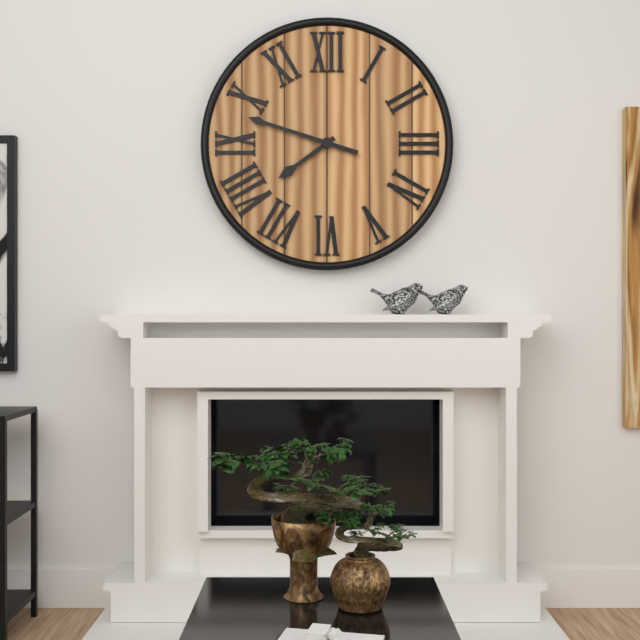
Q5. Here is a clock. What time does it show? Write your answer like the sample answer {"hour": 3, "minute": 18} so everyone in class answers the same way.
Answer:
{"hour": 7, "minute": 48}
